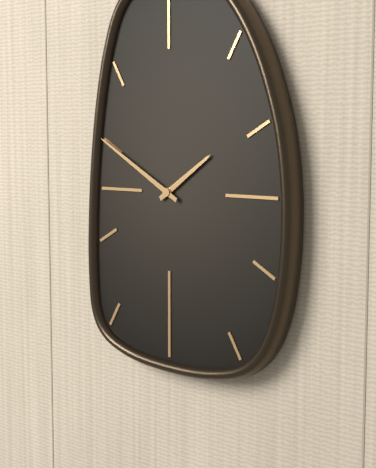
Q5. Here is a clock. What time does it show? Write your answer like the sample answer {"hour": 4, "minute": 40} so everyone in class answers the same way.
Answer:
{"hour": 1, "minute": 50}
